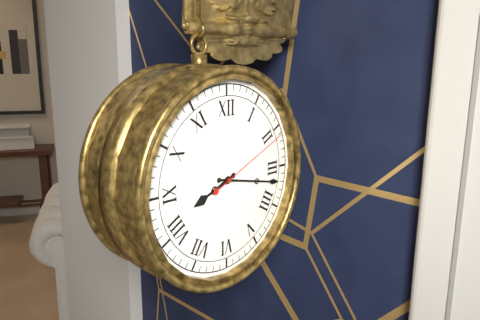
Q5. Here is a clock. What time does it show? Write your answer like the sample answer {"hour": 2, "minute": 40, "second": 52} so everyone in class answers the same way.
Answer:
{"hour": 8, "minute": 17, "second": 11}
